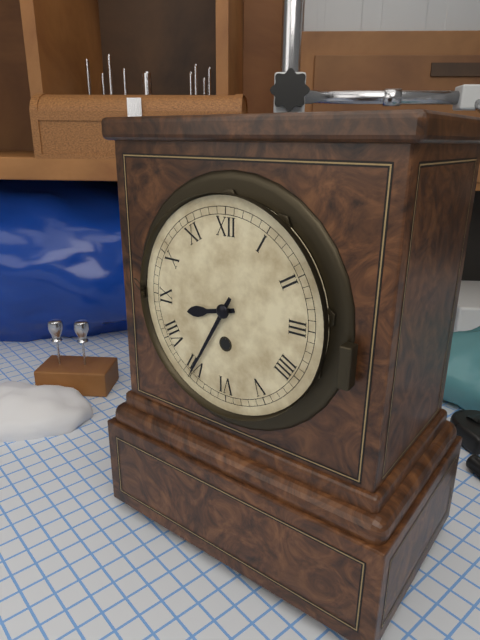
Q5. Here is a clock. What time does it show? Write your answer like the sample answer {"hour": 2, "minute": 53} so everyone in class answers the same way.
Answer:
{"hour": 8, "minute": 35}
